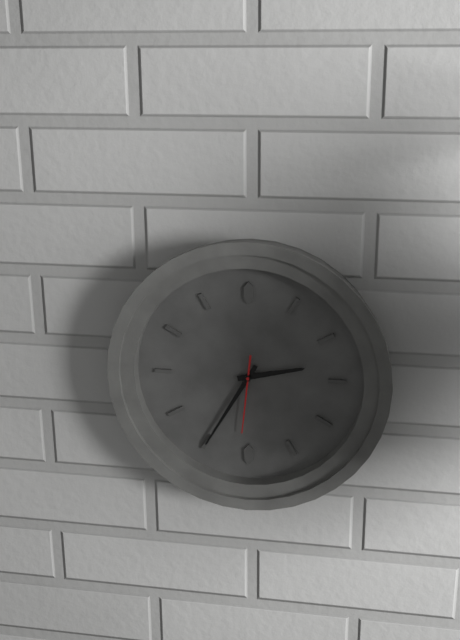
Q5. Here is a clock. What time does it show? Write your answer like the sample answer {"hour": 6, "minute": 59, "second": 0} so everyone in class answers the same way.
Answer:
{"hour": 2, "minute": 35, "second": 31}
